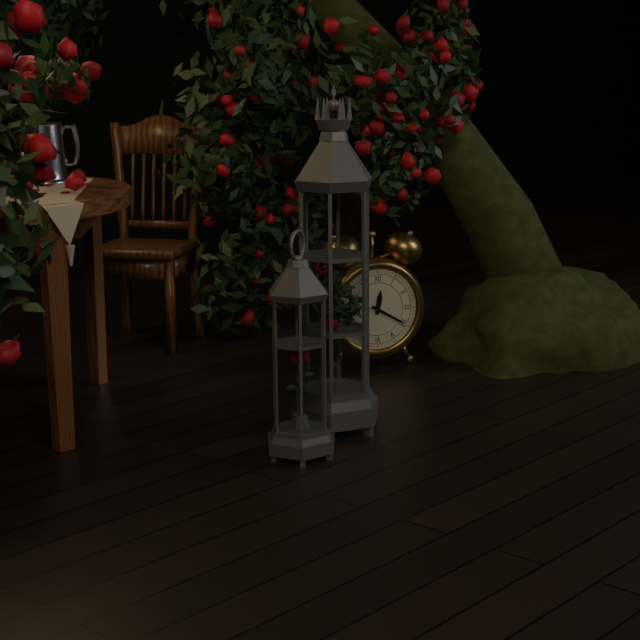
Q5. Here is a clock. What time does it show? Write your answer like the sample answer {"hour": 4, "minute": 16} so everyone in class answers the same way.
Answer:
{"hour": 12, "minute": 20}
